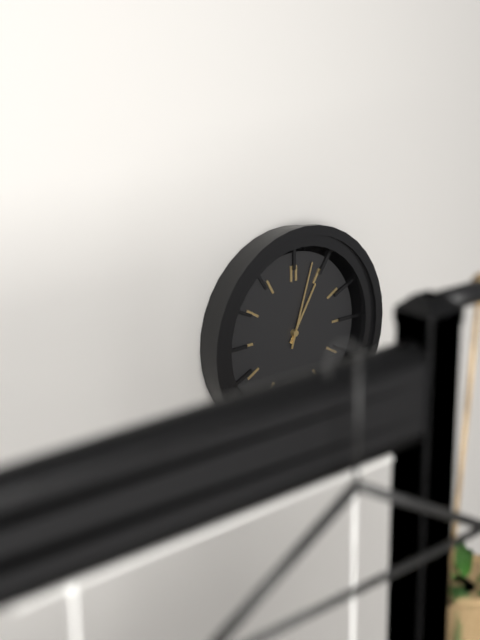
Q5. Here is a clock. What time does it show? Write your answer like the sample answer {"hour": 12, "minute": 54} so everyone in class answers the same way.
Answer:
{"hour": 1, "minute": 3}
